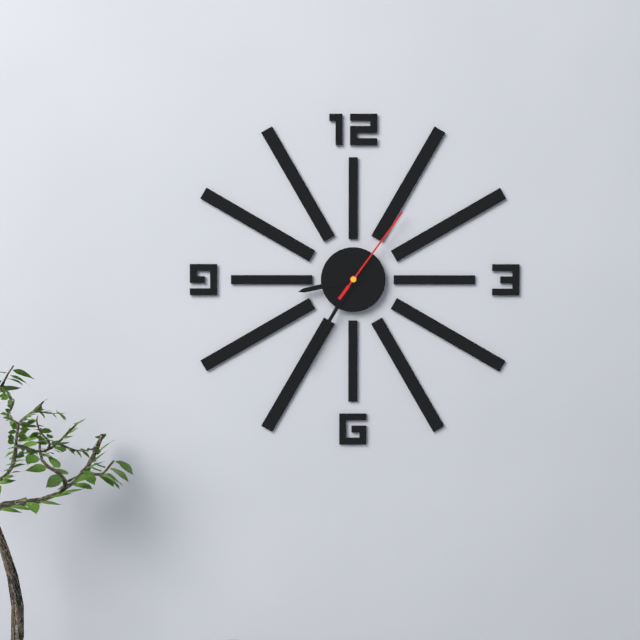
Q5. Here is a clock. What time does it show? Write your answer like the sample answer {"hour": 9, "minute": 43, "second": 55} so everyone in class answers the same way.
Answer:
{"hour": 8, "minute": 35, "second": 6}
